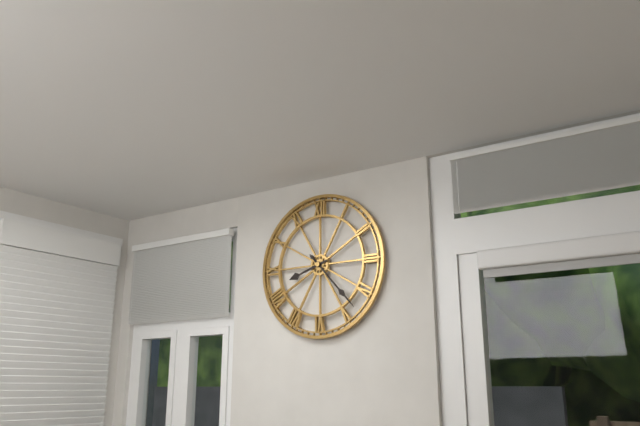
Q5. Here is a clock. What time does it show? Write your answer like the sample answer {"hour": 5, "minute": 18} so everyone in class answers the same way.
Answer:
{"hour": 8, "minute": 23}
